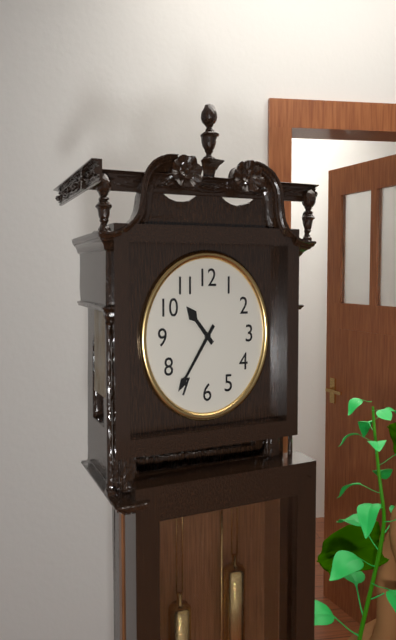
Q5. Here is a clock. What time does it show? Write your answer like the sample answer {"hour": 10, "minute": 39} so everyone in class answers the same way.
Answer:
{"hour": 10, "minute": 36}
